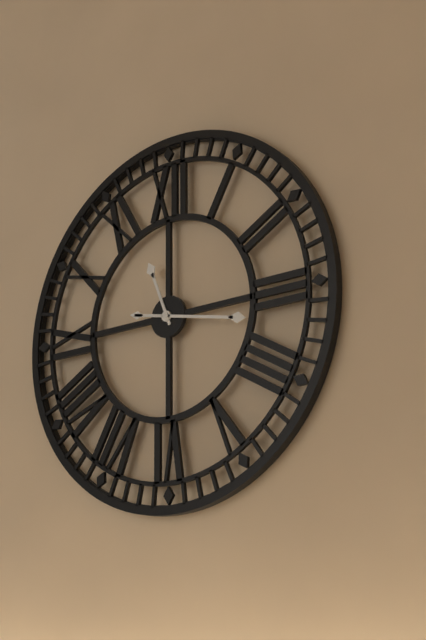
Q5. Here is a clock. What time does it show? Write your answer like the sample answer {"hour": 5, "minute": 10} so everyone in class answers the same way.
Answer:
{"hour": 11, "minute": 17}
